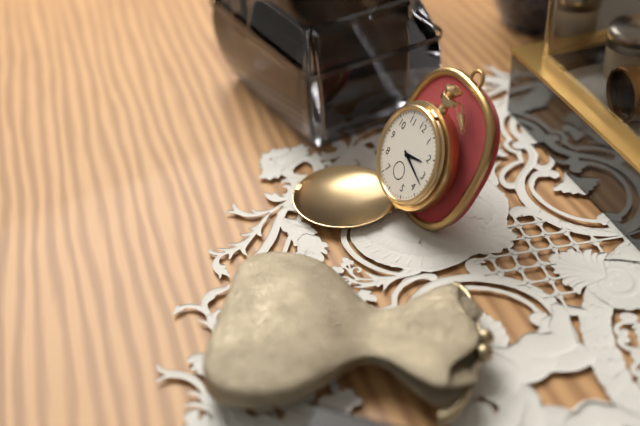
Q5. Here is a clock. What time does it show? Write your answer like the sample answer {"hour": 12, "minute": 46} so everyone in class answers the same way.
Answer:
{"hour": 2, "minute": 17}
